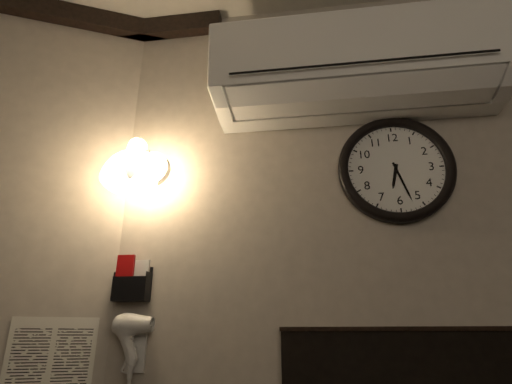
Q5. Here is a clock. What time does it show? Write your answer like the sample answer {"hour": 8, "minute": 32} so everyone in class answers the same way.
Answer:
{"hour": 6, "minute": 27}
